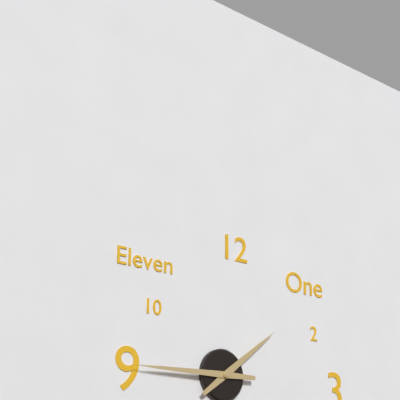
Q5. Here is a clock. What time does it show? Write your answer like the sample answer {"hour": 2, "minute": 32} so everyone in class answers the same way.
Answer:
{"hour": 1, "minute": 45}
